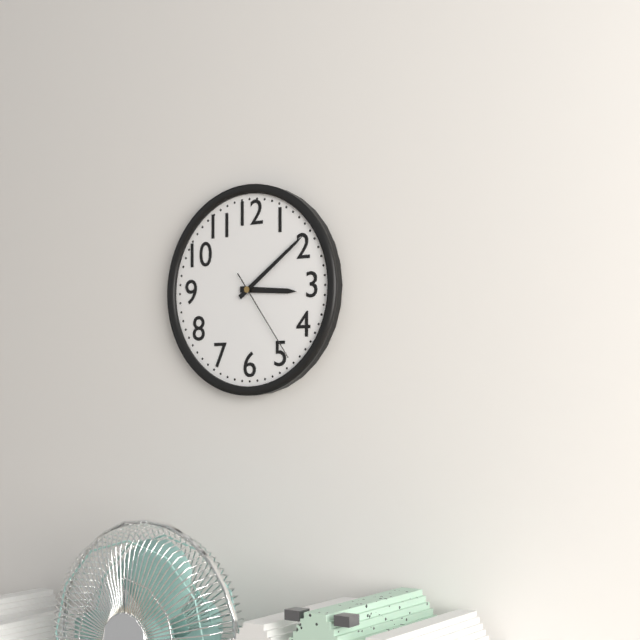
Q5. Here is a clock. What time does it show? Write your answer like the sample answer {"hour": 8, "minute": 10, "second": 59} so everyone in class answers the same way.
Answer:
{"hour": 3, "minute": 9, "second": 24}
